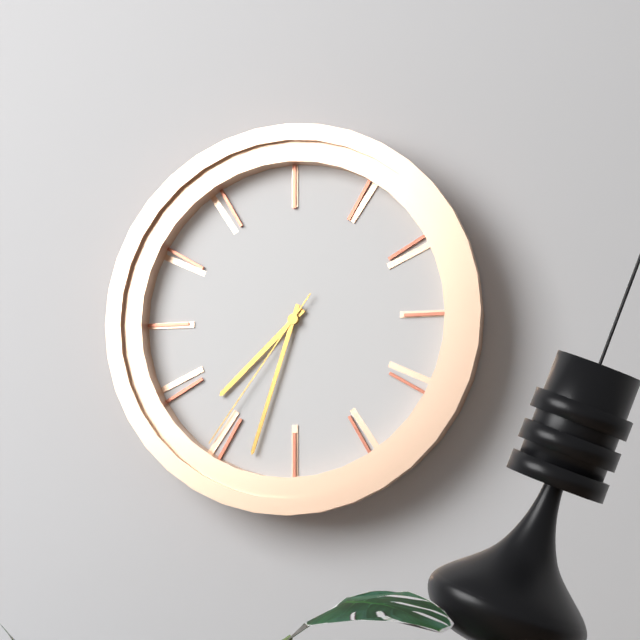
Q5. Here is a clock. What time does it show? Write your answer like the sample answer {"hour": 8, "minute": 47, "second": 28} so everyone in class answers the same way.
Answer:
{"hour": 7, "minute": 33, "second": 36}
